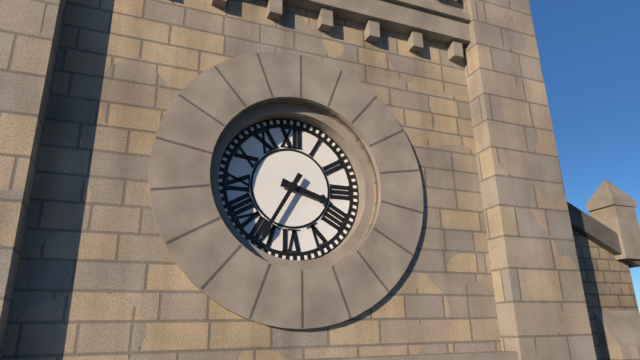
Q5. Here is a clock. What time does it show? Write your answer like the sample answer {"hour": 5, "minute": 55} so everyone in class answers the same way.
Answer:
{"hour": 3, "minute": 35}
